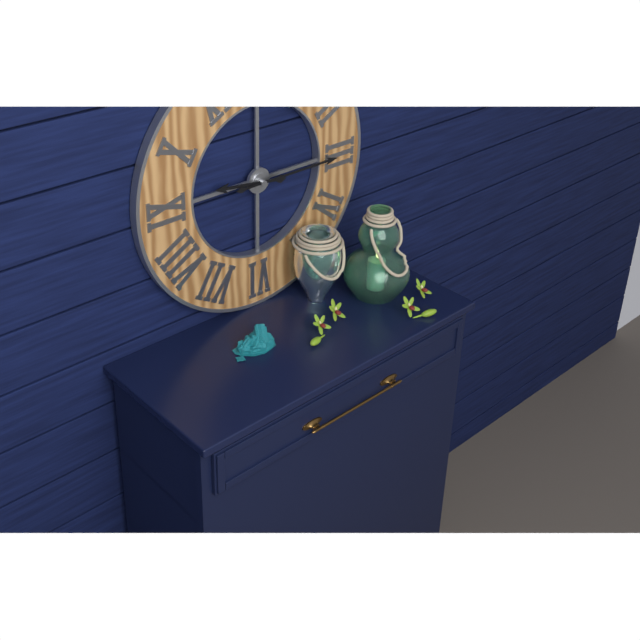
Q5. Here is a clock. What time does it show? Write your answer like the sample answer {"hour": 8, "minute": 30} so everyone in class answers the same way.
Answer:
{"hour": 9, "minute": 15}
